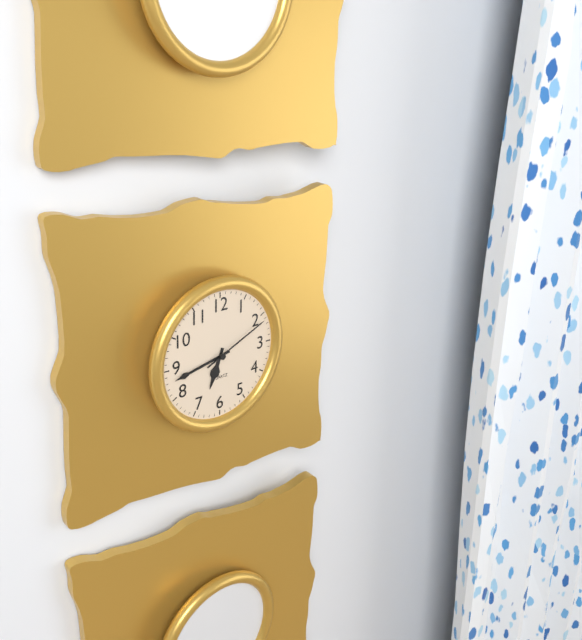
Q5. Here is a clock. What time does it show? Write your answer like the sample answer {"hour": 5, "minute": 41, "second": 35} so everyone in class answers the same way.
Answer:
{"hour": 6, "minute": 43, "second": 11}
